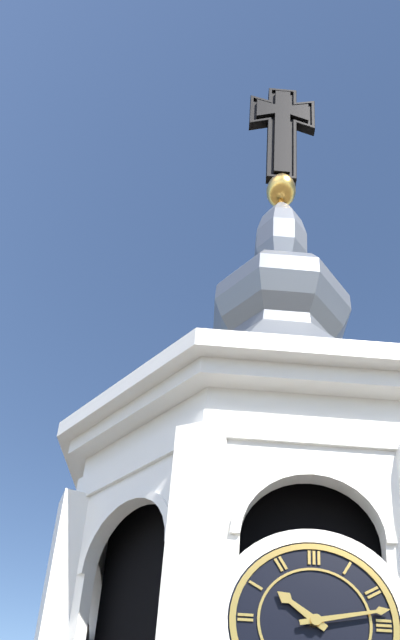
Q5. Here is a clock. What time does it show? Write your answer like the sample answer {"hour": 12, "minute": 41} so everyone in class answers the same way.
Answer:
{"hour": 10, "minute": 13}
